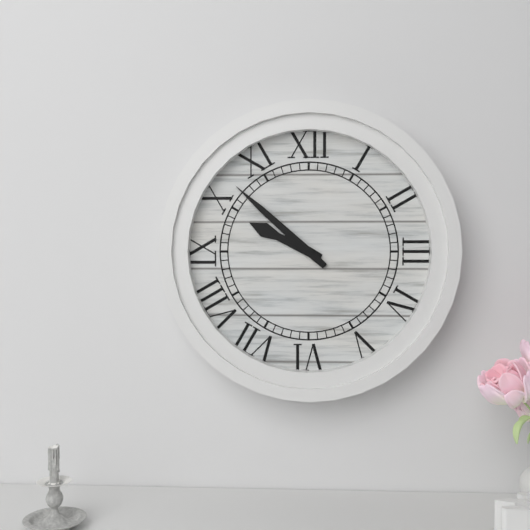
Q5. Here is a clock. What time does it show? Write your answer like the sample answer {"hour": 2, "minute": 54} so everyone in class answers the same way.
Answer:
{"hour": 9, "minute": 52}
